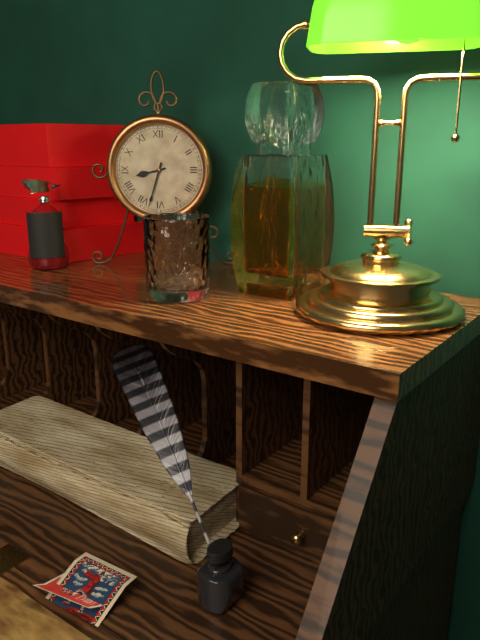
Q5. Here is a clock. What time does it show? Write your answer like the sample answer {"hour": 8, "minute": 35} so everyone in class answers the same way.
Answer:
{"hour": 8, "minute": 33}
